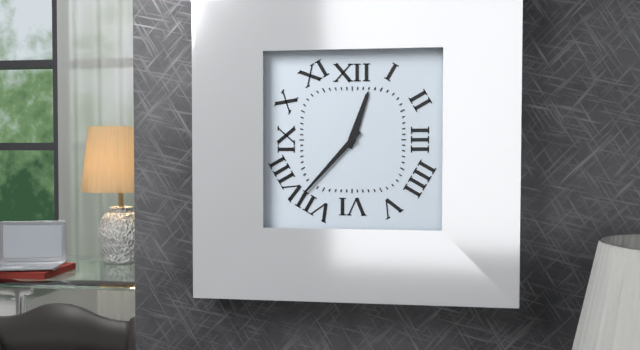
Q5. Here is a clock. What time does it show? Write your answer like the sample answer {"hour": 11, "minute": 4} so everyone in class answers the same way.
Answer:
{"hour": 12, "minute": 37}
